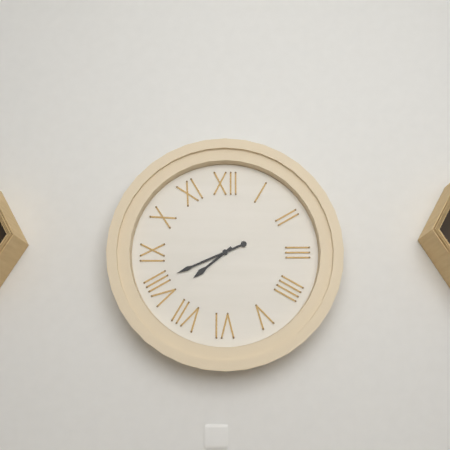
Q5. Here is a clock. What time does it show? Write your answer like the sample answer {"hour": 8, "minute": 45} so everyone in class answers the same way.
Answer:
{"hour": 7, "minute": 41}
